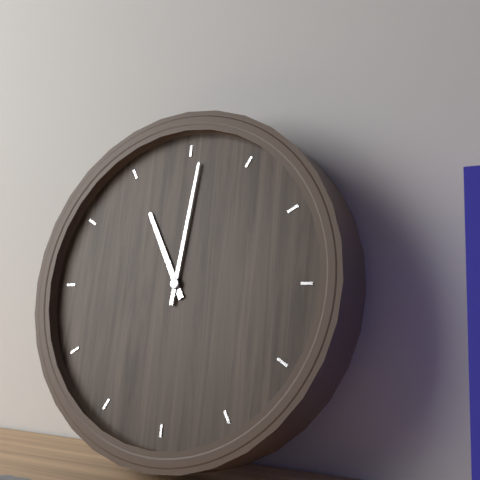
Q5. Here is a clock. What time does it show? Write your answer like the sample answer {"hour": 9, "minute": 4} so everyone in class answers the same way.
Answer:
{"hour": 11, "minute": 1}
